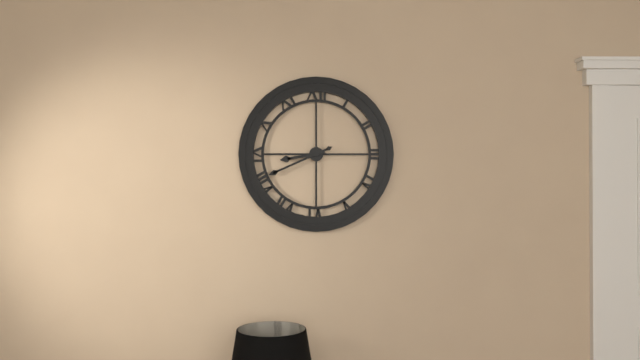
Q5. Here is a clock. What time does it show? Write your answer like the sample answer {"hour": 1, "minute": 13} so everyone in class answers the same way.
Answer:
{"hour": 8, "minute": 41}
